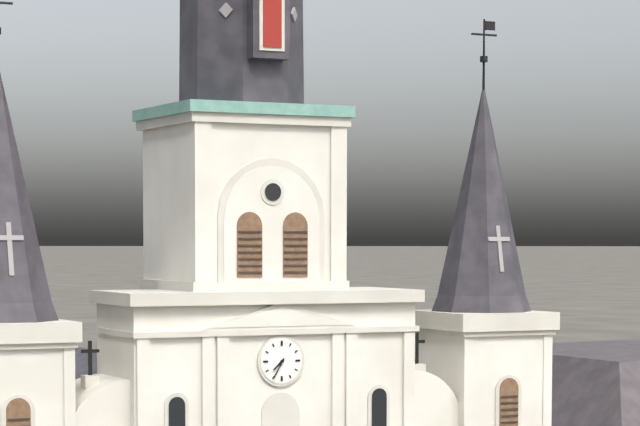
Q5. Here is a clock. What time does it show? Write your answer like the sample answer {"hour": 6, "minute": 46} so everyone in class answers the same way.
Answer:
{"hour": 7, "minute": 35}
